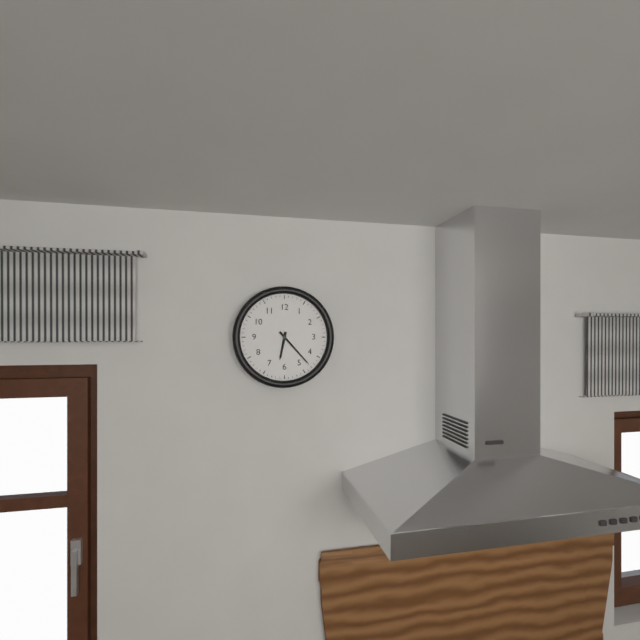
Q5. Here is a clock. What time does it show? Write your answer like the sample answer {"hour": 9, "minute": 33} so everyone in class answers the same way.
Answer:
{"hour": 6, "minute": 23}
